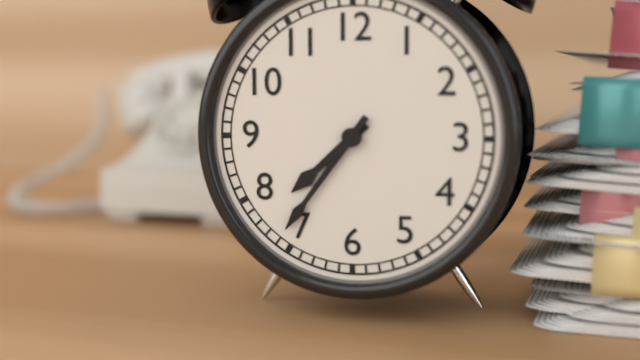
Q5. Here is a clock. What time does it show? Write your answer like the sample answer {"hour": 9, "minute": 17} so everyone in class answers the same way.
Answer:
{"hour": 7, "minute": 36}
